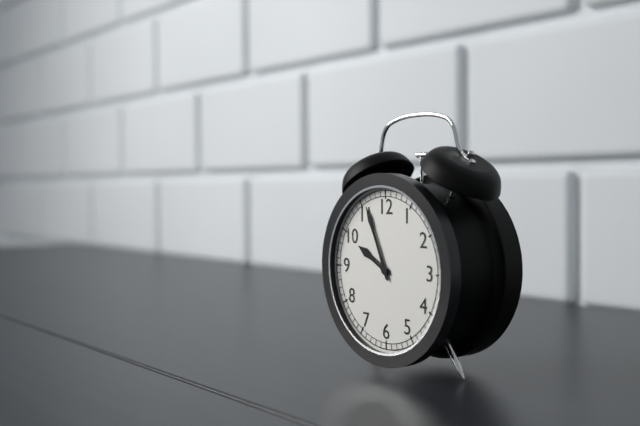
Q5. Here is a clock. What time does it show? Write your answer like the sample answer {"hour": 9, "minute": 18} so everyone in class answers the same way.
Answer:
{"hour": 9, "minute": 56}
